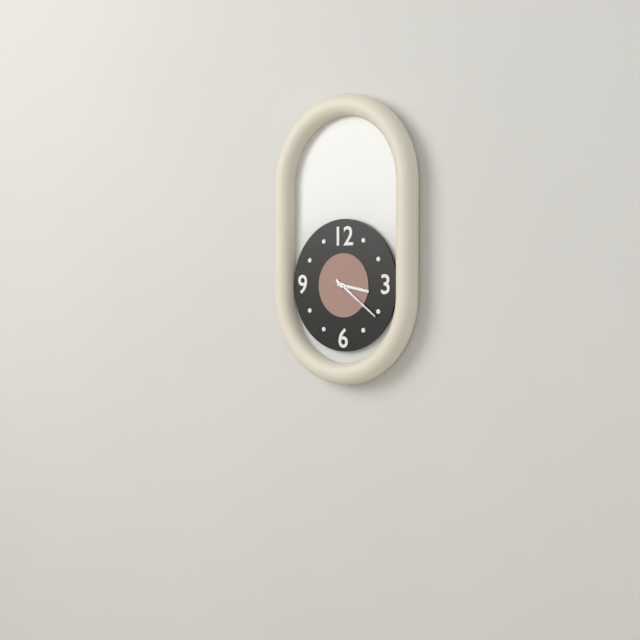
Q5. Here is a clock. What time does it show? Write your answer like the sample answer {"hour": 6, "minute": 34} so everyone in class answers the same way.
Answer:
{"hour": 3, "minute": 21}
